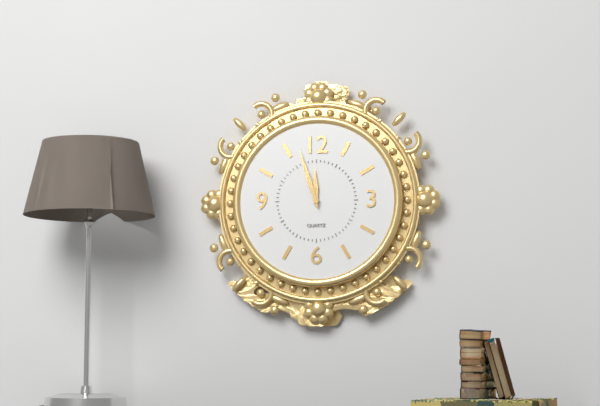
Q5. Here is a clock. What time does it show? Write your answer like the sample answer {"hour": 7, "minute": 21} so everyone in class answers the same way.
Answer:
{"hour": 11, "minute": 57}
